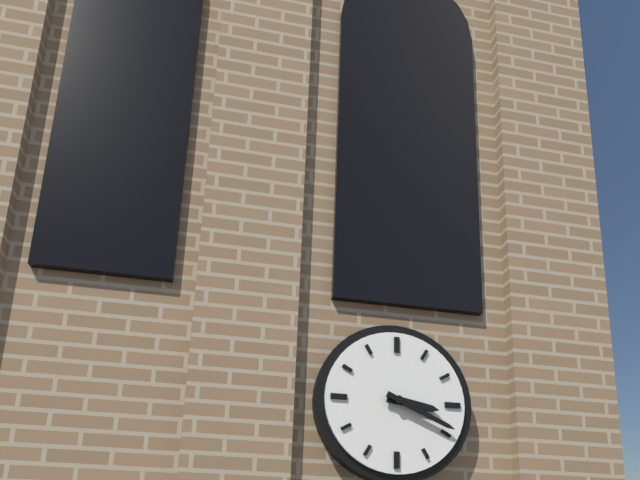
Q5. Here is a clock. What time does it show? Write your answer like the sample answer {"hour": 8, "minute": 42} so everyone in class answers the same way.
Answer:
{"hour": 3, "minute": 19}
